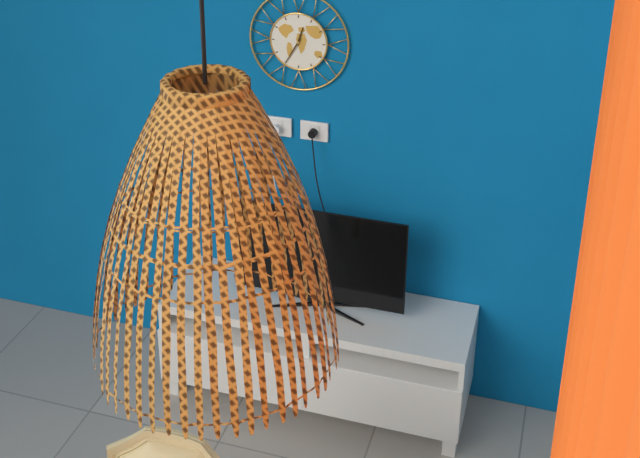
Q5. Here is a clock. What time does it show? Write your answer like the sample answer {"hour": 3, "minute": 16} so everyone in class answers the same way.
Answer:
{"hour": 12, "minute": 35}
